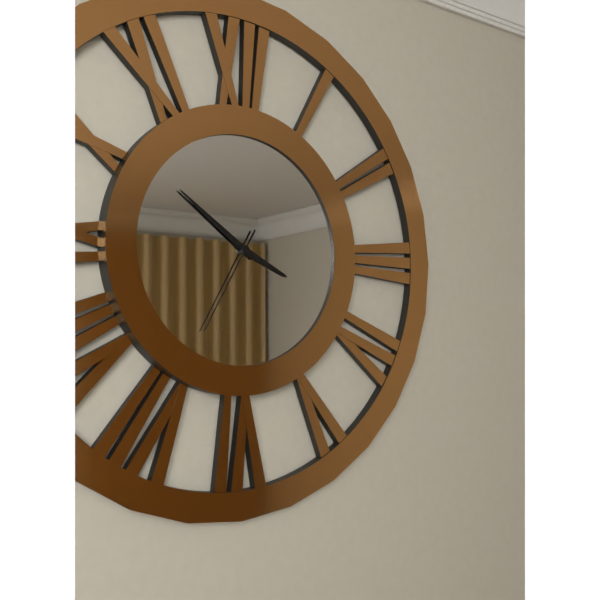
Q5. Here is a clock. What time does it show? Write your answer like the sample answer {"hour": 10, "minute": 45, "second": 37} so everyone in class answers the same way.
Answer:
{"hour": 3, "minute": 51, "second": 35}
